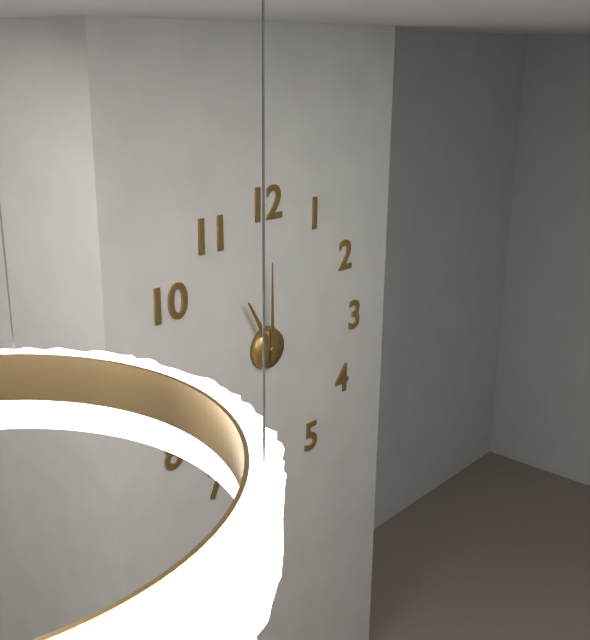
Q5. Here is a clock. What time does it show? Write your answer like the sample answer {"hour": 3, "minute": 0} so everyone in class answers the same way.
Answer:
{"hour": 11, "minute": 0}
